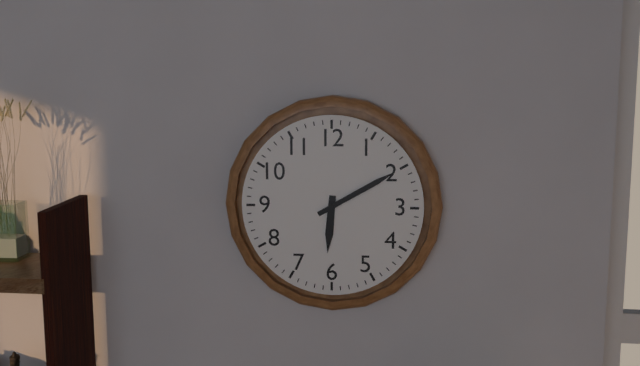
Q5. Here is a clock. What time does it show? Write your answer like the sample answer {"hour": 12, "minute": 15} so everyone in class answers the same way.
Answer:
{"hour": 6, "minute": 10}
